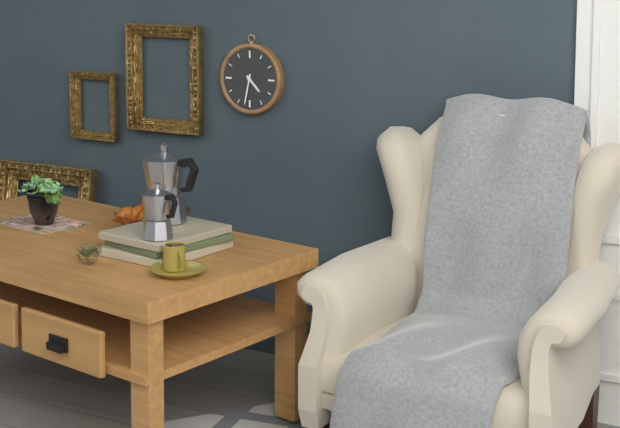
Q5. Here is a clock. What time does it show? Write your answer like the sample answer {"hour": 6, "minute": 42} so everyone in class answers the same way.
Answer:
{"hour": 4, "minute": 32}
